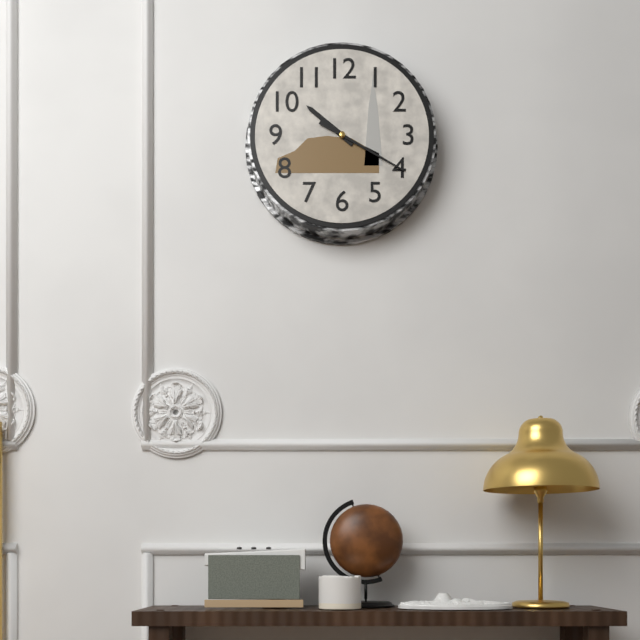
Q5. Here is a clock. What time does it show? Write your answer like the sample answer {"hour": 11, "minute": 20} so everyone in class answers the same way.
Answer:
{"hour": 10, "minute": 20}
